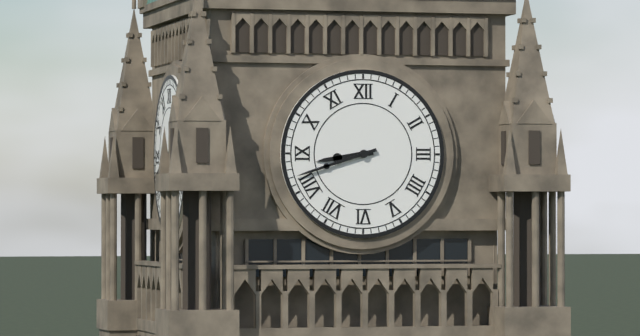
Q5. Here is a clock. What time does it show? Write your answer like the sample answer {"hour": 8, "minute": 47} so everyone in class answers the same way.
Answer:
{"hour": 8, "minute": 42}
